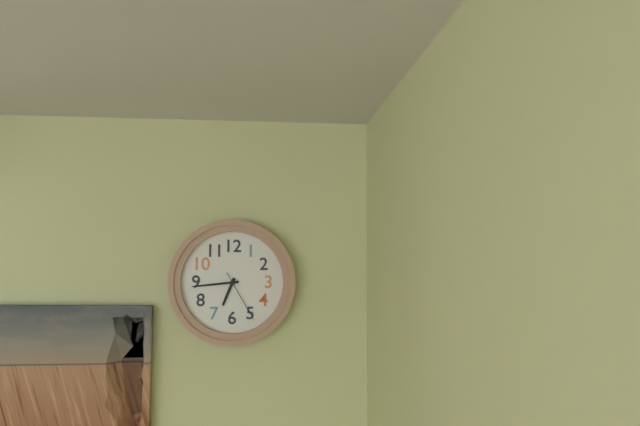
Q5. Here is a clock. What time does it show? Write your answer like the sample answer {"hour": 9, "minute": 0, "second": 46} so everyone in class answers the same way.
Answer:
{"hour": 6, "minute": 44, "second": 25}
